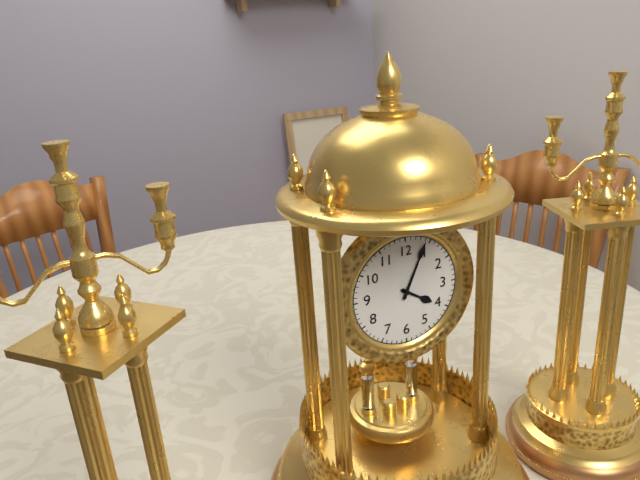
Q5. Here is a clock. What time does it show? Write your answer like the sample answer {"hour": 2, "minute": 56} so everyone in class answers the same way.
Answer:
{"hour": 4, "minute": 4}
